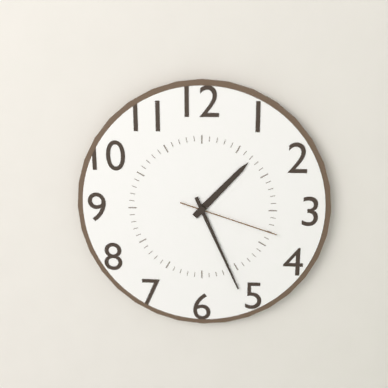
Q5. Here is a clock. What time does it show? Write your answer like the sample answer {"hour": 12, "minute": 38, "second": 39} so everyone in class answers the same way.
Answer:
{"hour": 1, "minute": 26, "second": 18}
